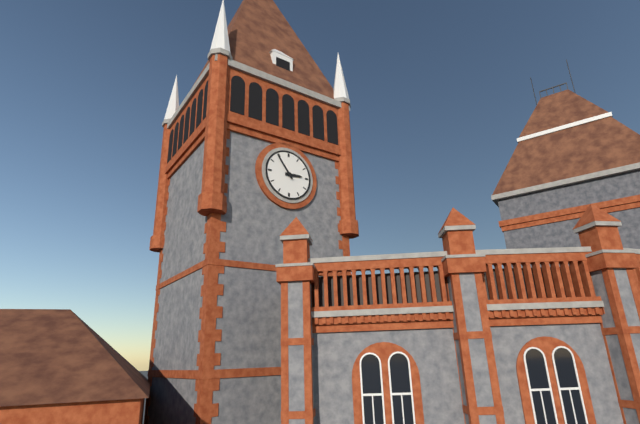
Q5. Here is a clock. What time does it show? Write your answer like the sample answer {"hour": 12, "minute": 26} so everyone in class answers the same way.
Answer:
{"hour": 2, "minute": 54}
